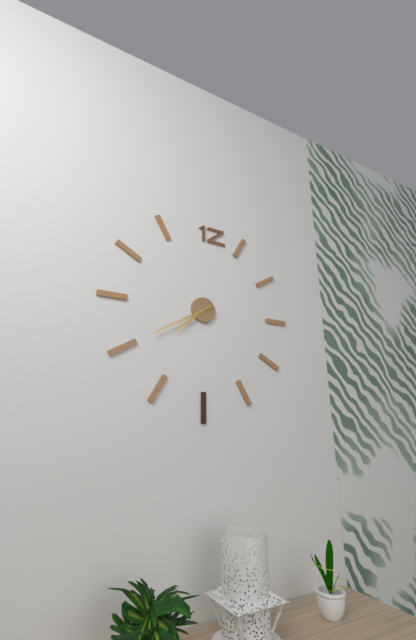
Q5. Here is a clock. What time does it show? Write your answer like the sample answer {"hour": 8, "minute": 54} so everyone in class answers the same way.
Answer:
{"hour": 7, "minute": 40}
